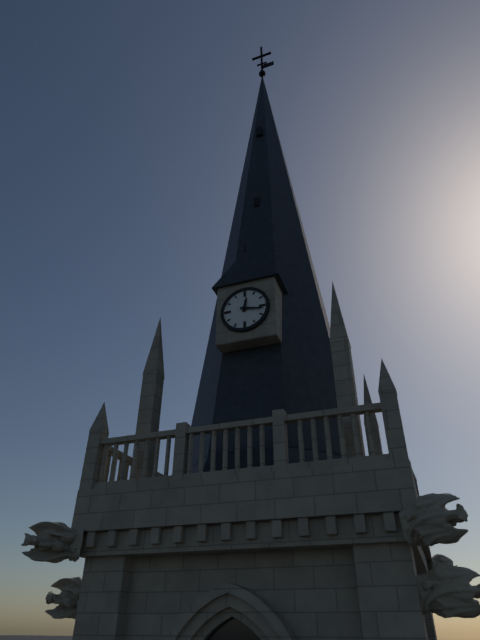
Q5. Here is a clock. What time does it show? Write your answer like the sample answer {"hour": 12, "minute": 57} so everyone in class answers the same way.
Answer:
{"hour": 12, "minute": 17}
